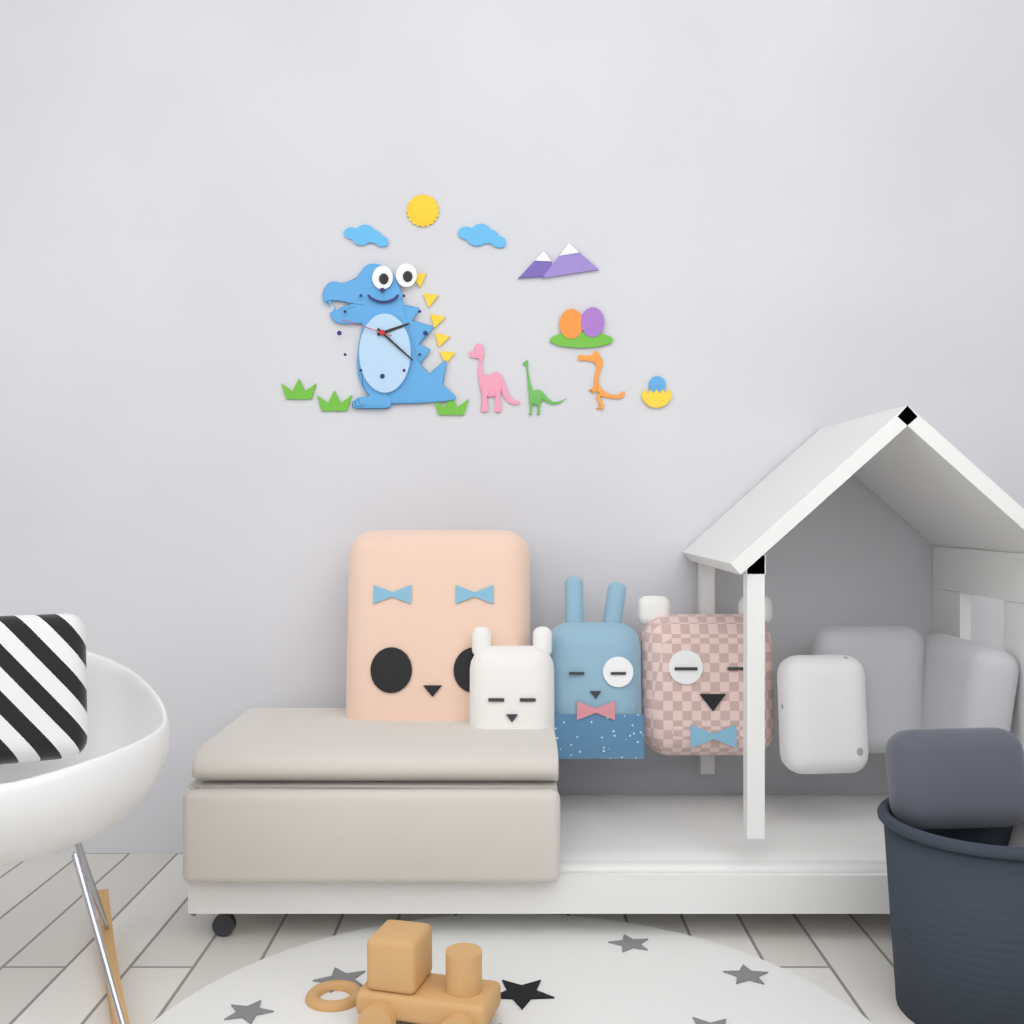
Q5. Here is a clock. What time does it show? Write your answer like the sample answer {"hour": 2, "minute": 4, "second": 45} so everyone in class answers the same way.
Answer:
{"hour": 2, "minute": 22, "second": 48}
